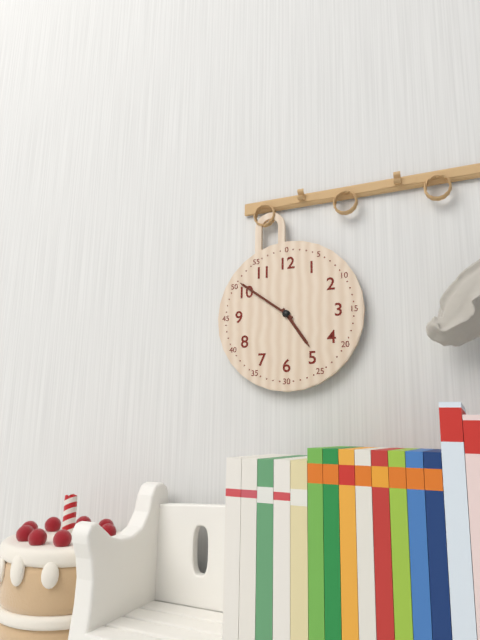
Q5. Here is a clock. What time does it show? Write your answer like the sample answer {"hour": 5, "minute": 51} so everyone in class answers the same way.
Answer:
{"hour": 4, "minute": 51}
